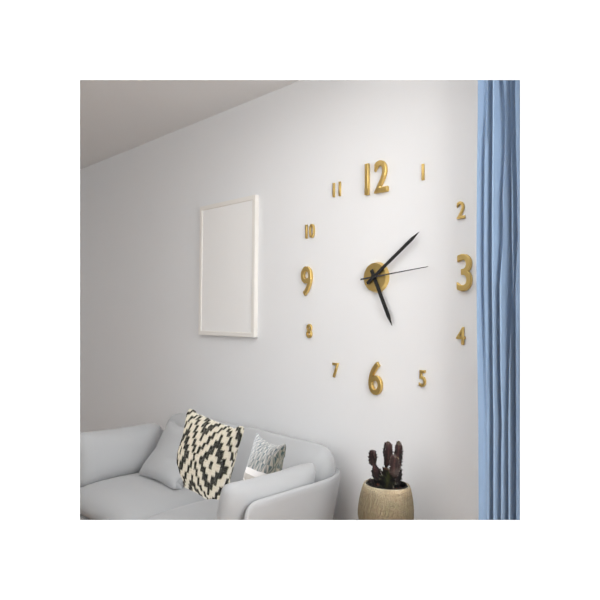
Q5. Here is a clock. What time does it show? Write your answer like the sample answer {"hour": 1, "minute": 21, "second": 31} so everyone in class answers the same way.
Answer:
{"hour": 5, "minute": 9, "second": 14}
